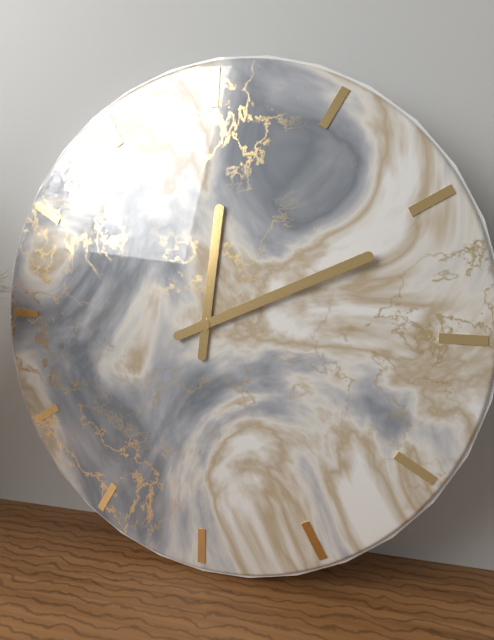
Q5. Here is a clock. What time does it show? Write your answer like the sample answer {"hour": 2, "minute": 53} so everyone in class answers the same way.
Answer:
{"hour": 12, "minute": 11}
